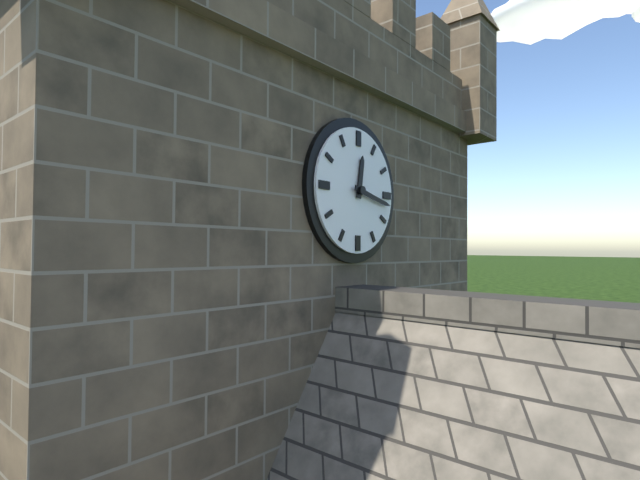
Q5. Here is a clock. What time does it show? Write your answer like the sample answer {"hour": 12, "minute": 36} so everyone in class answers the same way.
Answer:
{"hour": 12, "minute": 17}
